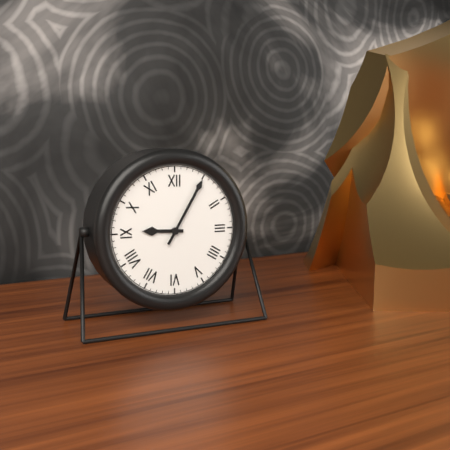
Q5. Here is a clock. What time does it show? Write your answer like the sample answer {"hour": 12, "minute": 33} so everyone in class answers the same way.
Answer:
{"hour": 9, "minute": 5}
